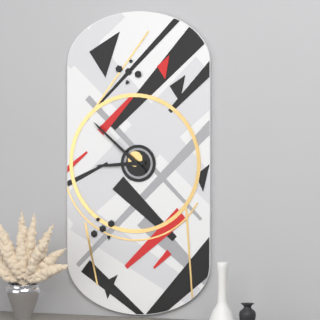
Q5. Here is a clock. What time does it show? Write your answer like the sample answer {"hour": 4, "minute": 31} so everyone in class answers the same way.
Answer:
{"hour": 8, "minute": 52}
